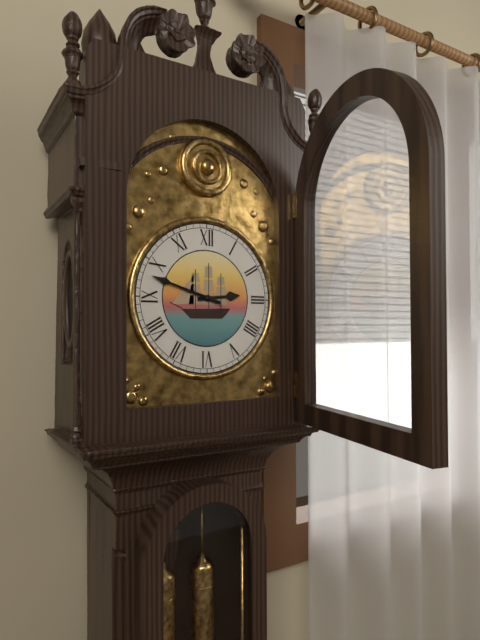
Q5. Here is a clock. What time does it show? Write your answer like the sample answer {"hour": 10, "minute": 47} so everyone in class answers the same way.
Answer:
{"hour": 2, "minute": 48}
